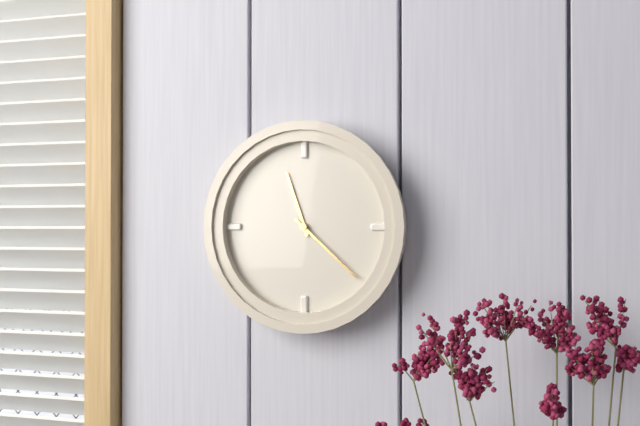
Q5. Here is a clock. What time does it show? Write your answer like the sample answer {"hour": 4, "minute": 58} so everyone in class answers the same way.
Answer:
{"hour": 11, "minute": 22}
